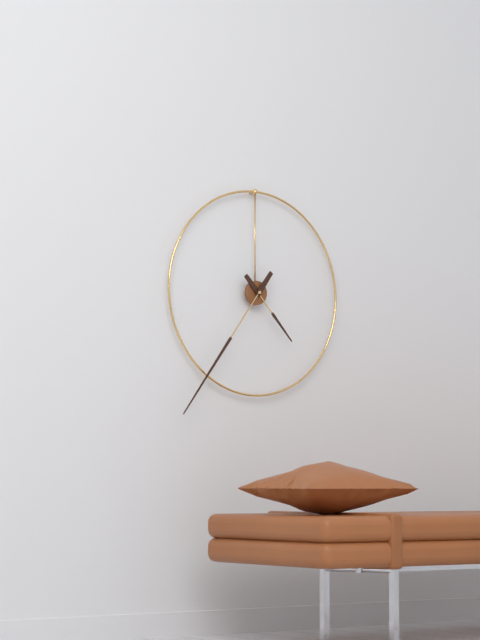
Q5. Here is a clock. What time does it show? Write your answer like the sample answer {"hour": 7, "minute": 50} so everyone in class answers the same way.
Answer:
{"hour": 4, "minute": 36}
